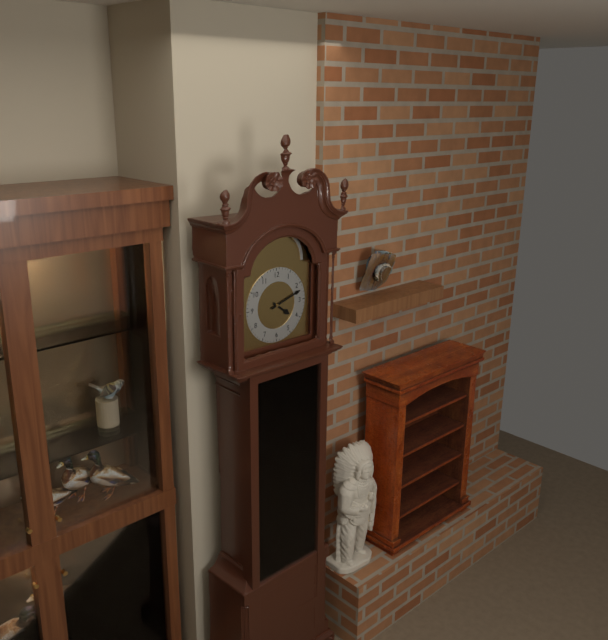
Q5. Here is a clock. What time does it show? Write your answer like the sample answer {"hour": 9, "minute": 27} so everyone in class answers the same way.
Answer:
{"hour": 4, "minute": 12}
